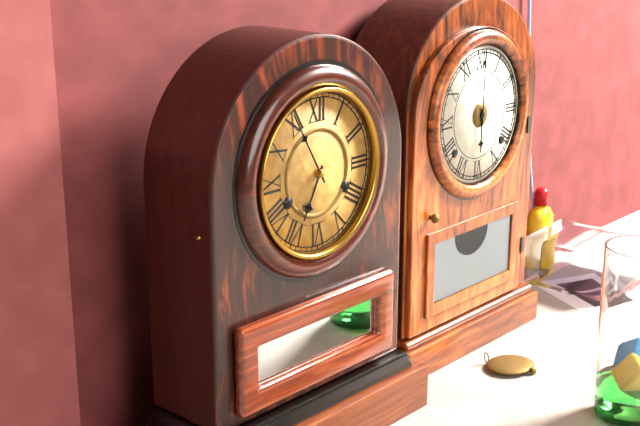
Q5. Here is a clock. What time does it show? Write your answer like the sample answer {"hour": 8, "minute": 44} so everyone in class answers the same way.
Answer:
{"hour": 6, "minute": 55}
